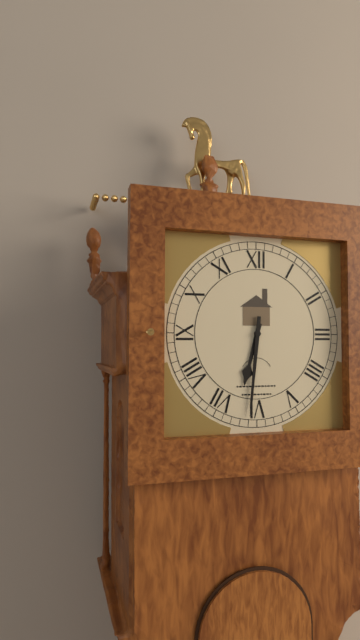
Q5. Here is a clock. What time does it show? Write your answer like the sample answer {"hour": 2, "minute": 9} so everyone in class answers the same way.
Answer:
{"hour": 6, "minute": 31}
